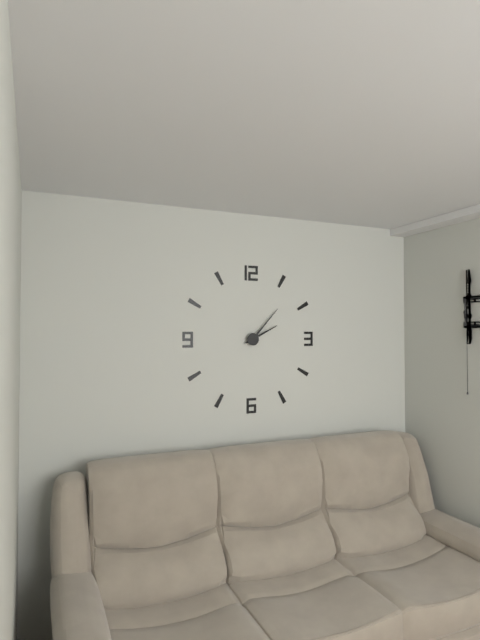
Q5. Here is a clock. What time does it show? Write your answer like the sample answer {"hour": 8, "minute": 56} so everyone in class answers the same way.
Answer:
{"hour": 2, "minute": 7}
